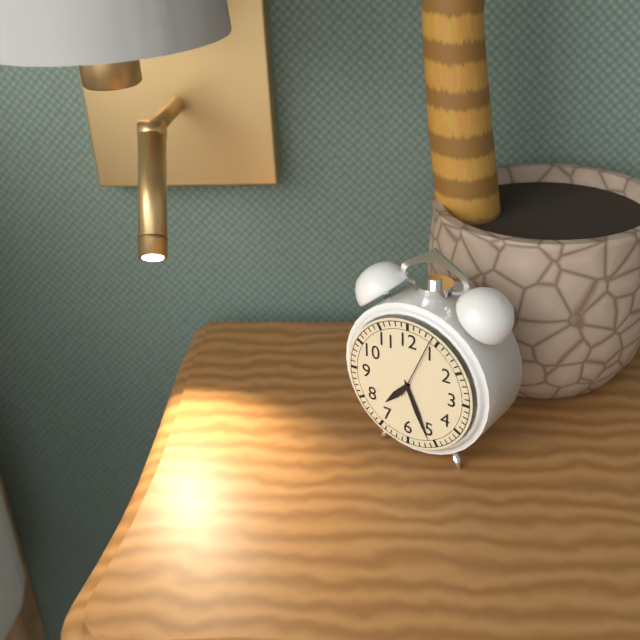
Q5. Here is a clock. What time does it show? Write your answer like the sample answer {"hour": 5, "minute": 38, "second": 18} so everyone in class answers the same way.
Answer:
{"hour": 7, "minute": 26, "second": 4}
